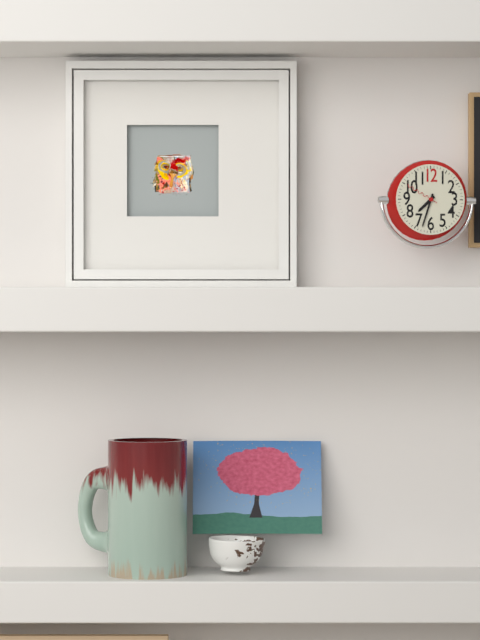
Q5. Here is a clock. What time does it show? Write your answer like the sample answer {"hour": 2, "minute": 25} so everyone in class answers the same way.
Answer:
{"hour": 7, "minute": 33}
